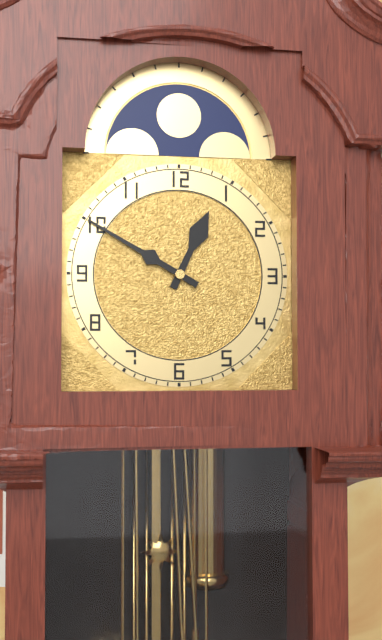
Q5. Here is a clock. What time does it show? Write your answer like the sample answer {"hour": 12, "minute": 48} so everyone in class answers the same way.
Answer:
{"hour": 12, "minute": 50}
